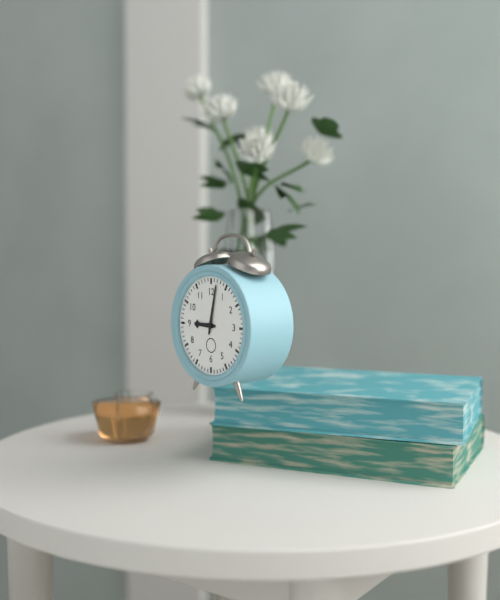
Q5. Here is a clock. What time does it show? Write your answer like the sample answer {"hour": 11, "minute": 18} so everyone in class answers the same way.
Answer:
{"hour": 9, "minute": 2}
